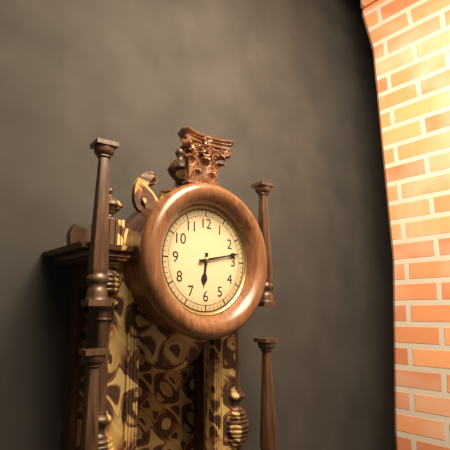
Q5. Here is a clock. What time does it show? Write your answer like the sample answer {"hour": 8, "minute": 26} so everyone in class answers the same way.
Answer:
{"hour": 6, "minute": 13}
